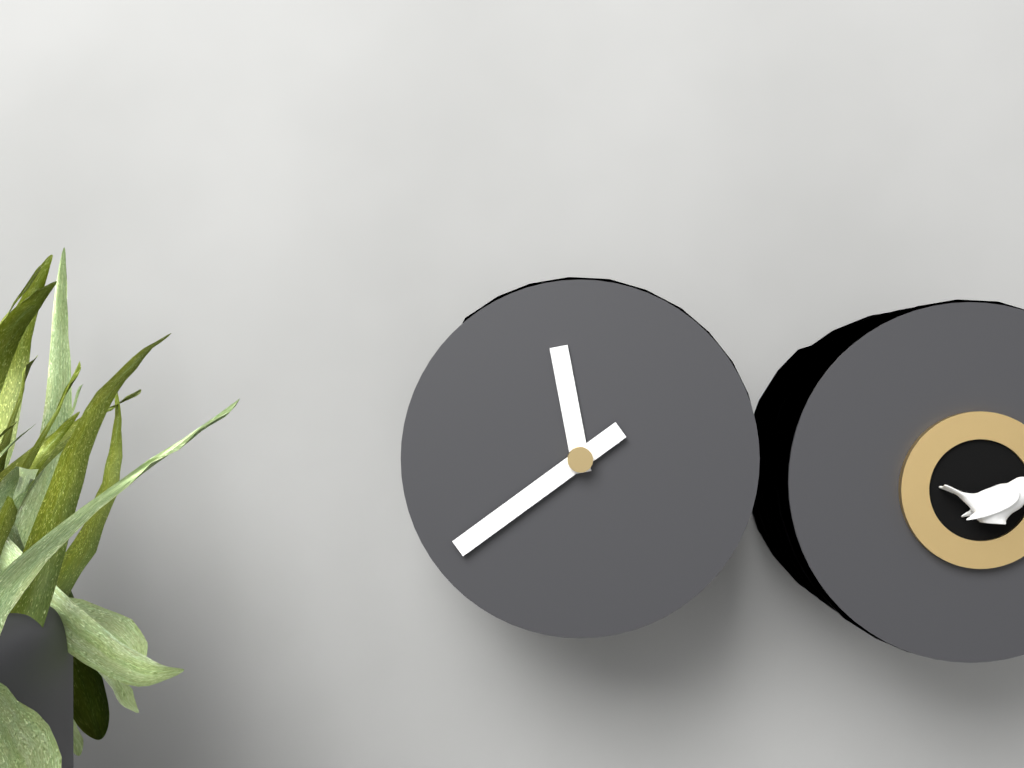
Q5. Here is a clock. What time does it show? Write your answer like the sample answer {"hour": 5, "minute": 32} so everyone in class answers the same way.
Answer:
{"hour": 11, "minute": 39}
